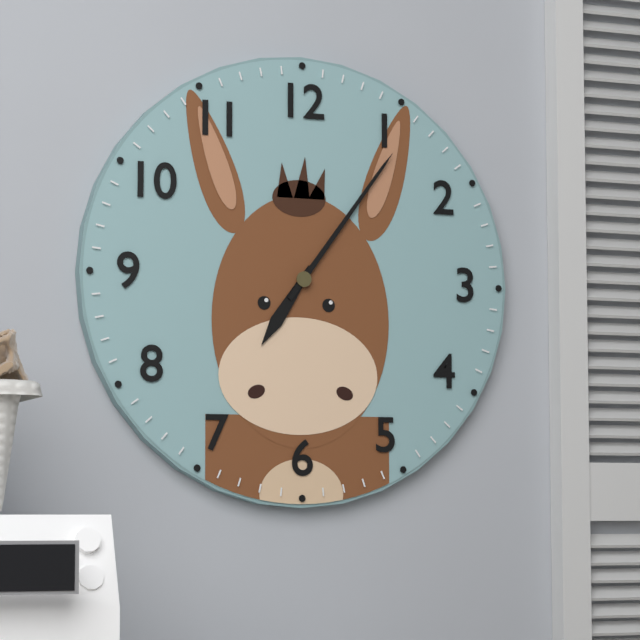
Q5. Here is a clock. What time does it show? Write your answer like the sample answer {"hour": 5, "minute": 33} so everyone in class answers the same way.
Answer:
{"hour": 7, "minute": 6}
